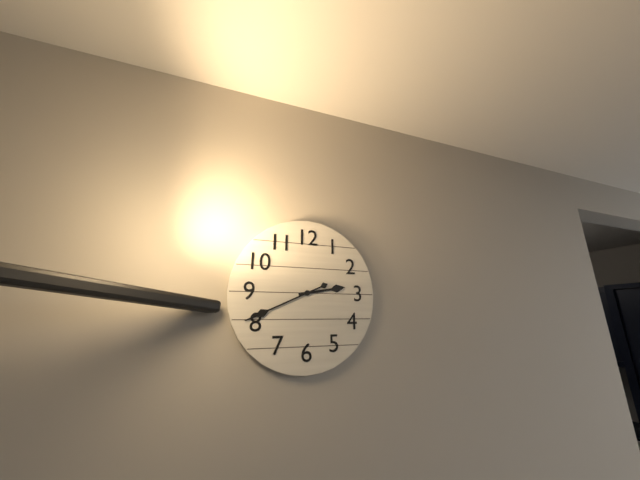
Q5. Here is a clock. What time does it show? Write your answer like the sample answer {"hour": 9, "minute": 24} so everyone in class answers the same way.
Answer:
{"hour": 2, "minute": 41}
